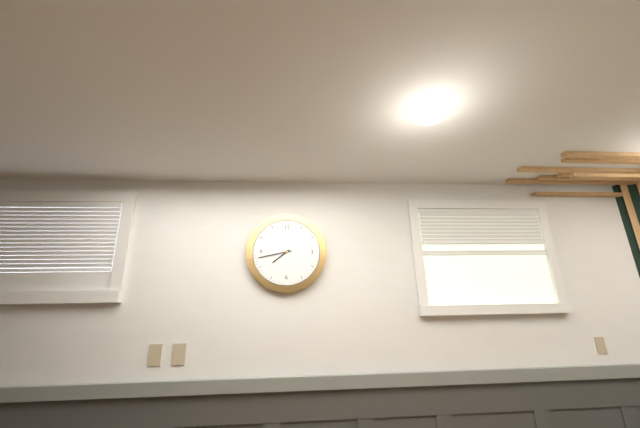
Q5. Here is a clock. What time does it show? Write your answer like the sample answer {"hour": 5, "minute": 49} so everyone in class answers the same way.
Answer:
{"hour": 7, "minute": 43}
